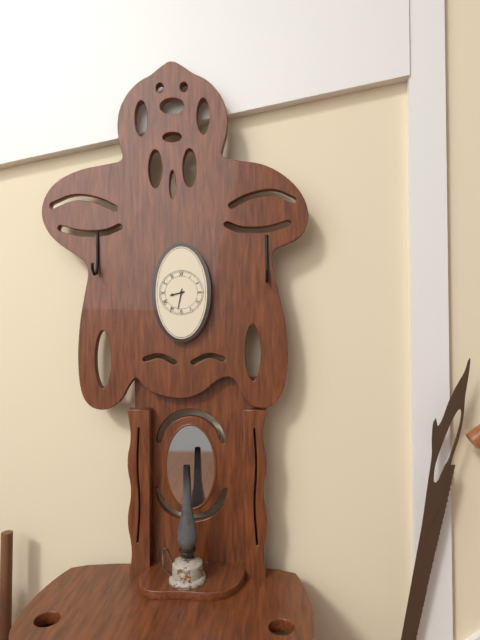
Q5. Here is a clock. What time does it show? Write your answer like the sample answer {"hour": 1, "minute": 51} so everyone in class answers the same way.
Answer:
{"hour": 8, "minute": 32}
